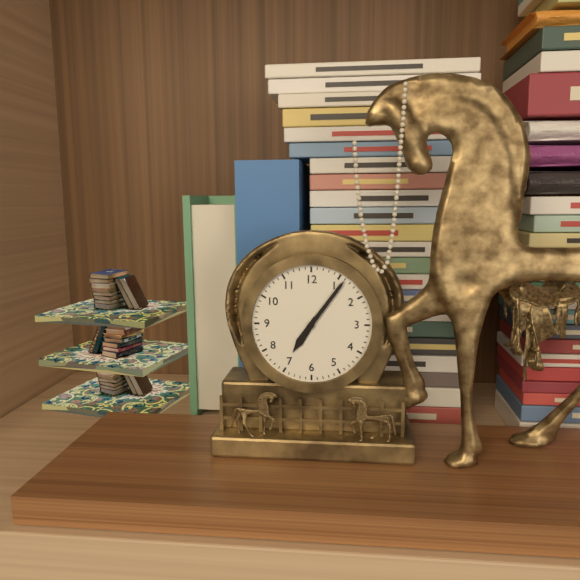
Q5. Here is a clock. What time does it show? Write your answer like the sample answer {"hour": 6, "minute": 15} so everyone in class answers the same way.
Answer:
{"hour": 7, "minute": 6}
